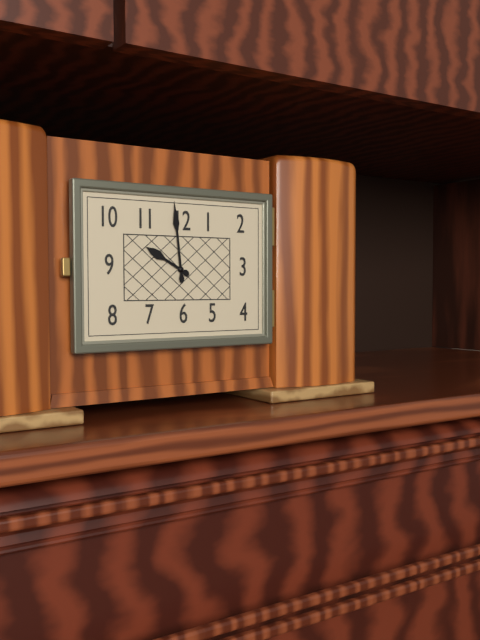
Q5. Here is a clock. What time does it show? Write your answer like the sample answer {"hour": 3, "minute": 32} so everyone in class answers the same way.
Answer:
{"hour": 9, "minute": 59}
